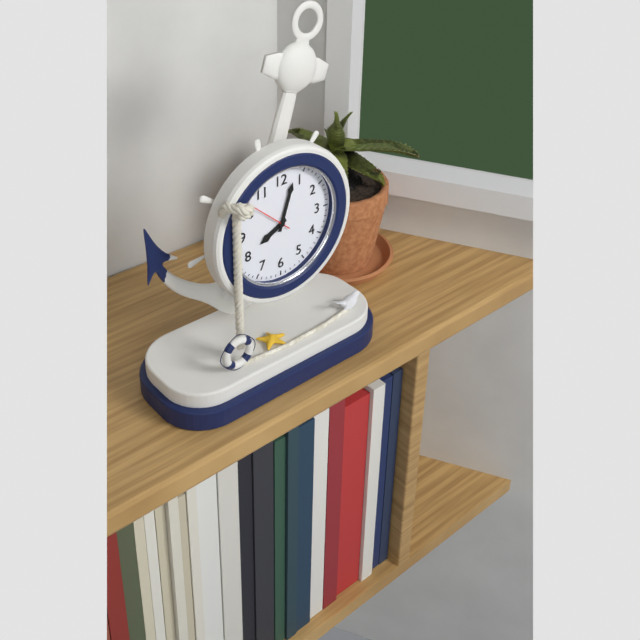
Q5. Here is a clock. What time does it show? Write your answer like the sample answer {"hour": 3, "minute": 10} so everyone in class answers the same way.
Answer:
{"hour": 8, "minute": 3}
